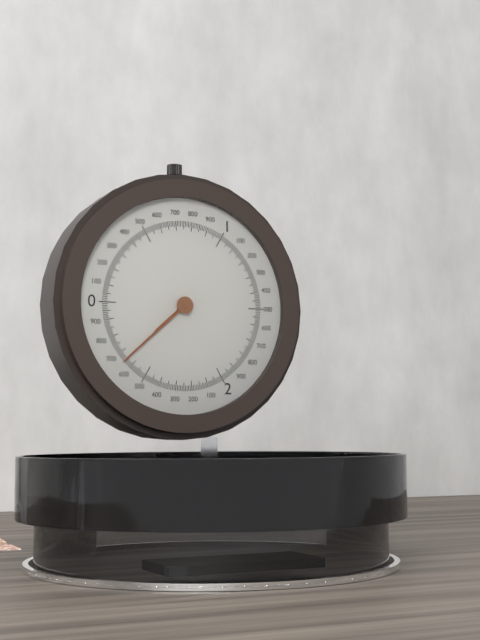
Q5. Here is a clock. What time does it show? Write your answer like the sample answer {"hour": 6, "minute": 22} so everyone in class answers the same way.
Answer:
{"hour": 7, "minute": 38}
